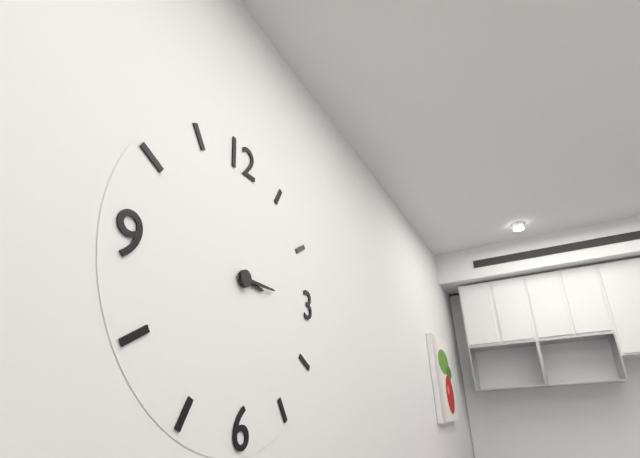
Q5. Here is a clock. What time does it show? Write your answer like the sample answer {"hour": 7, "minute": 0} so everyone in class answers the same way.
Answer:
{"hour": 3, "minute": 15}
